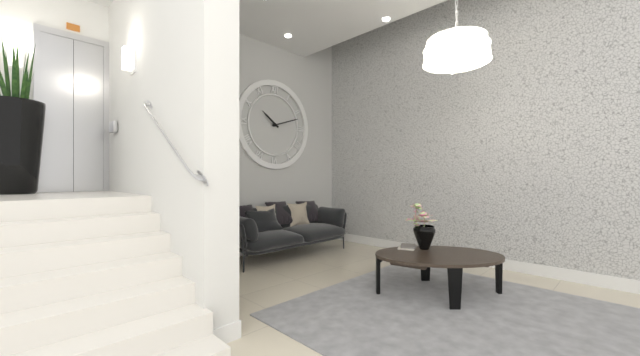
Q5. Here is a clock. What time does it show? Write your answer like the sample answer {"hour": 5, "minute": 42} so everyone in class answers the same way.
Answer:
{"hour": 10, "minute": 12}
